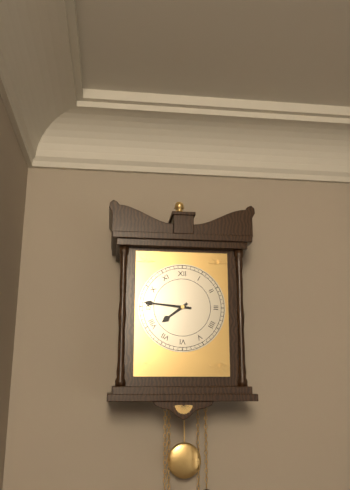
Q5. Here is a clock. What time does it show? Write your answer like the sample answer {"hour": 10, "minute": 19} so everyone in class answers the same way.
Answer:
{"hour": 7, "minute": 46}
